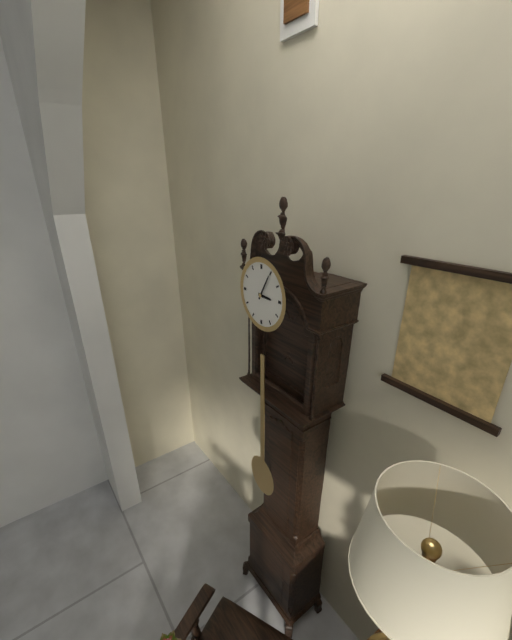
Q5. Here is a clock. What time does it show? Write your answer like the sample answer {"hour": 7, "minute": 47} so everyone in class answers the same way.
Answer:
{"hour": 3, "minute": 5}
